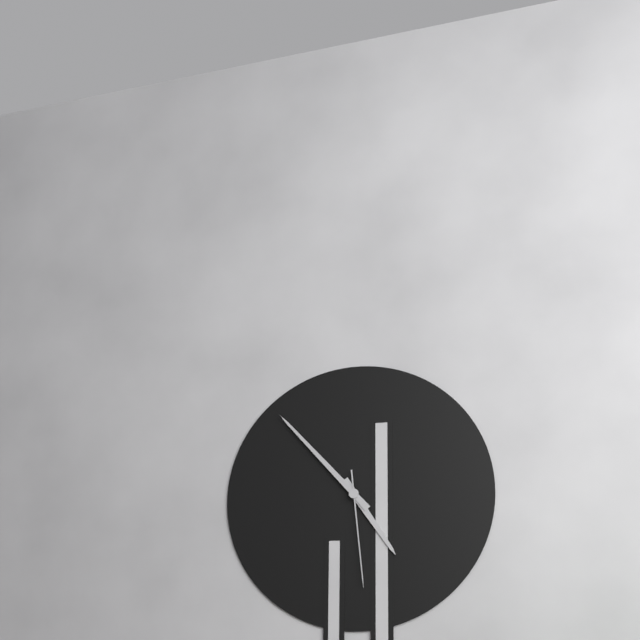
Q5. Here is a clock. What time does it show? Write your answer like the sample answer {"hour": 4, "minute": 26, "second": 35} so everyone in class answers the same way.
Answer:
{"hour": 4, "minute": 53, "second": 29}
